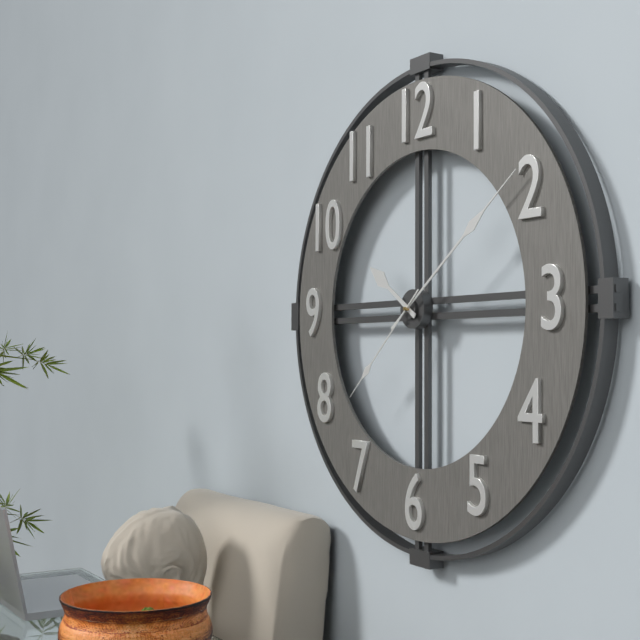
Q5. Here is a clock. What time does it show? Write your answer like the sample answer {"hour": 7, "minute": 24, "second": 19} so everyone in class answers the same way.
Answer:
{"hour": 10, "minute": 9, "second": 38}
